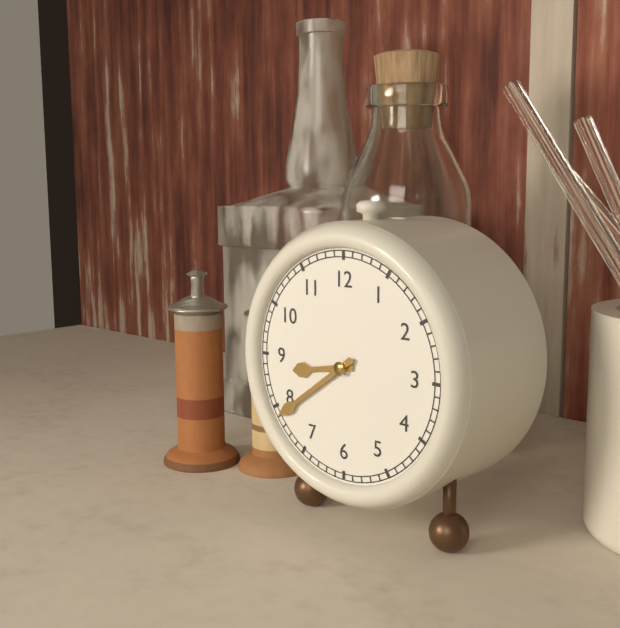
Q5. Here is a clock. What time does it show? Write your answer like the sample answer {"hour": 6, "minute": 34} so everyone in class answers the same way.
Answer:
{"hour": 8, "minute": 39}
